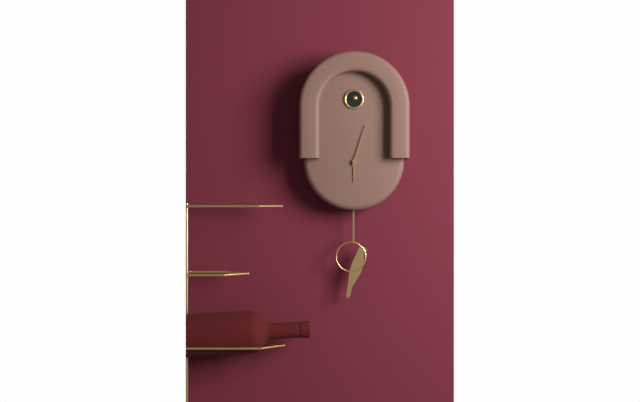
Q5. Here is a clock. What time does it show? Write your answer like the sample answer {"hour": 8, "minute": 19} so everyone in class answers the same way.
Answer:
{"hour": 6, "minute": 3}
